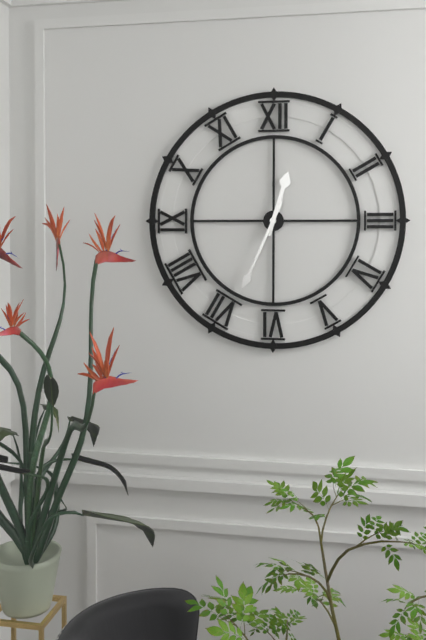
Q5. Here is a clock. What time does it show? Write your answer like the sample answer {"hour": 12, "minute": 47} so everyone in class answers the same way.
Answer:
{"hour": 12, "minute": 34}
